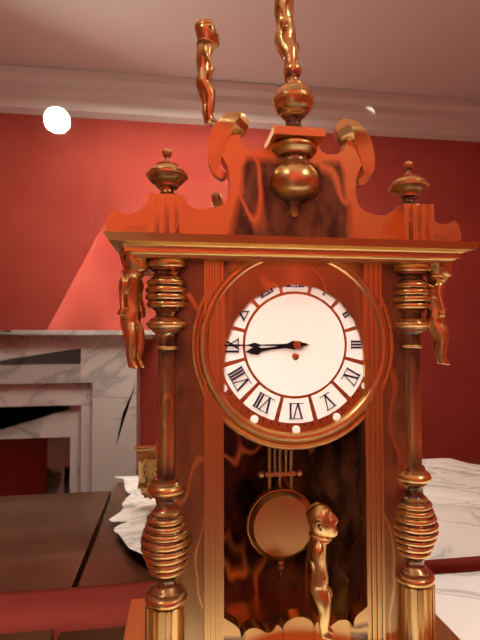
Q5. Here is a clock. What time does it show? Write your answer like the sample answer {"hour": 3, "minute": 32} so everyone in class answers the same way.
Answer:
{"hour": 8, "minute": 45}
